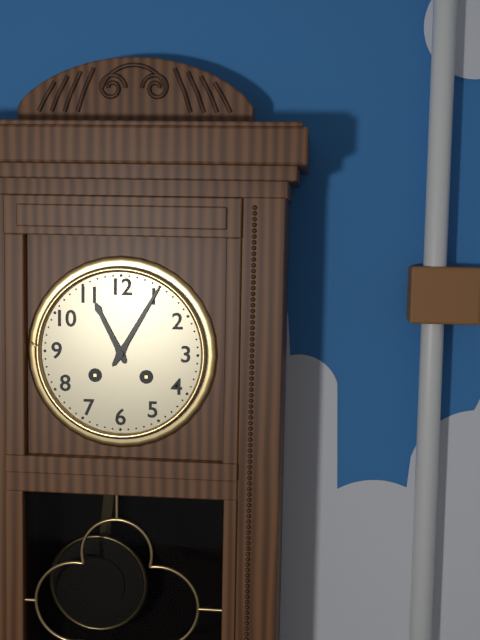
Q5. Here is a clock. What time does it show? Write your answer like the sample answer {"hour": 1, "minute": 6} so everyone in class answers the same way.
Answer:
{"hour": 11, "minute": 5}
